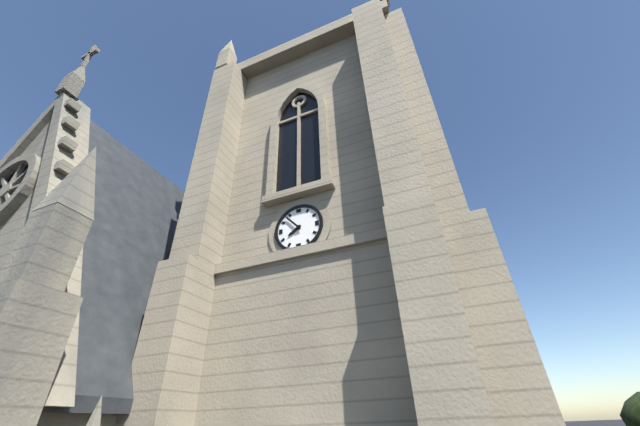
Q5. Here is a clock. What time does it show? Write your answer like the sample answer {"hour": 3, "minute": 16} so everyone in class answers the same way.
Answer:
{"hour": 7, "minute": 53}
